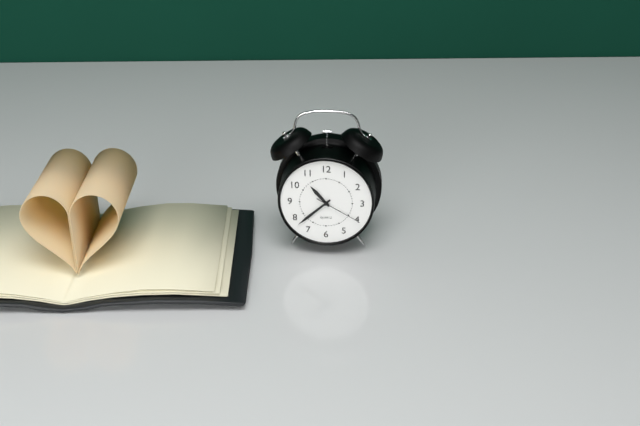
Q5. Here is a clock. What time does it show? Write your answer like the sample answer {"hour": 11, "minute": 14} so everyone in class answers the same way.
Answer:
{"hour": 10, "minute": 38}
